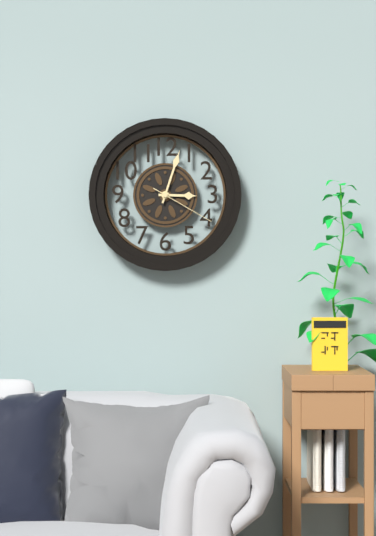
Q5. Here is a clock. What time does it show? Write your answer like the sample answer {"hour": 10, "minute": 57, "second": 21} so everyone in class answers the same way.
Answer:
{"hour": 3, "minute": 3, "second": 20}
